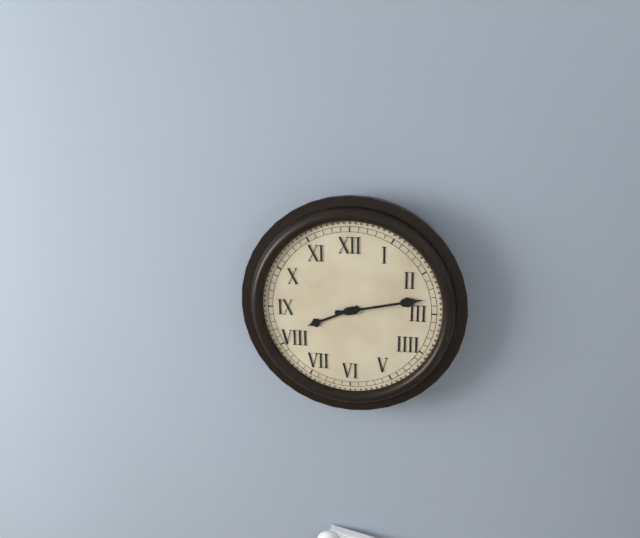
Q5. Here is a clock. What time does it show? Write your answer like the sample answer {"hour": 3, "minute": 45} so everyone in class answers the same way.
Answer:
{"hour": 8, "minute": 13}
